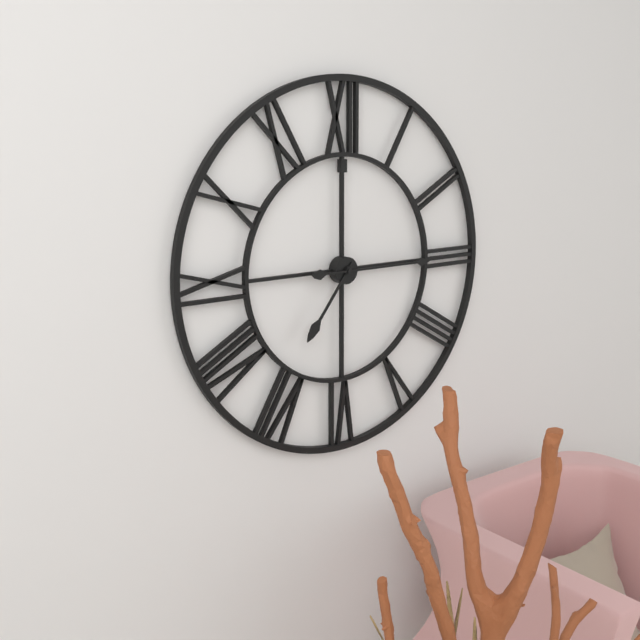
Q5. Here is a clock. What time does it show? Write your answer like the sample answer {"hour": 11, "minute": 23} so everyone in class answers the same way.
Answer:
{"hour": 7, "minute": 15}
